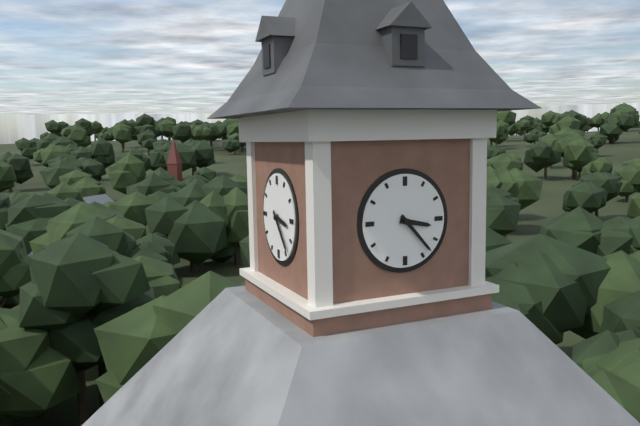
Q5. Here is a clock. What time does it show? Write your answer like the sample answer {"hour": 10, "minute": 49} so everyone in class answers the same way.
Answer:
{"hour": 3, "minute": 23}
